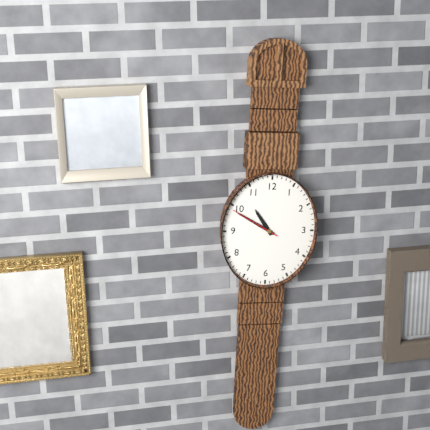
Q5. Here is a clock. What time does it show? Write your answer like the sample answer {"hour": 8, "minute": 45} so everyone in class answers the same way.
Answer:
{"hour": 10, "minute": 50}
